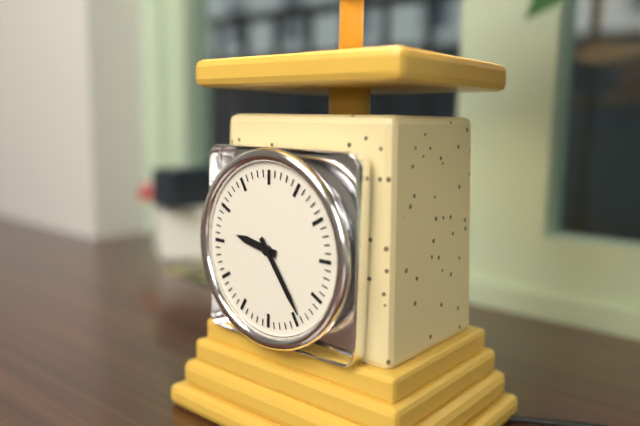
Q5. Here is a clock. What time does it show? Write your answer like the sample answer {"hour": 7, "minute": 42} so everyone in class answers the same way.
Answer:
{"hour": 9, "minute": 24}
